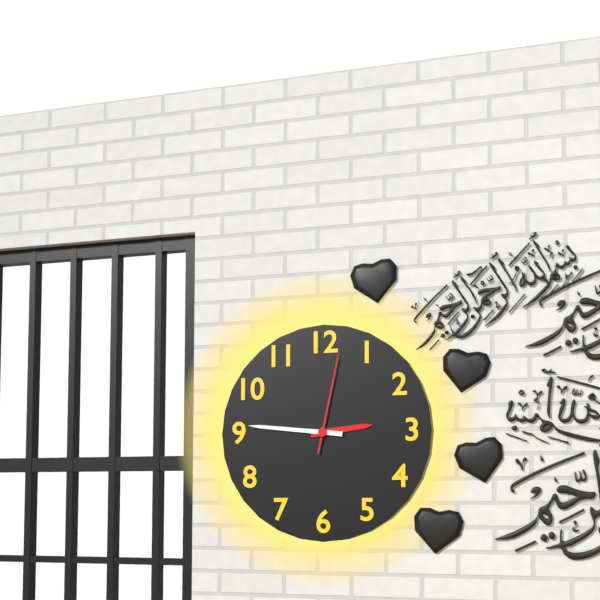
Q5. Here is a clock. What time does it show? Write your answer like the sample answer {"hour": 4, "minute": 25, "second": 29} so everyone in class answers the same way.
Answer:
{"hour": 2, "minute": 46, "second": 2}
